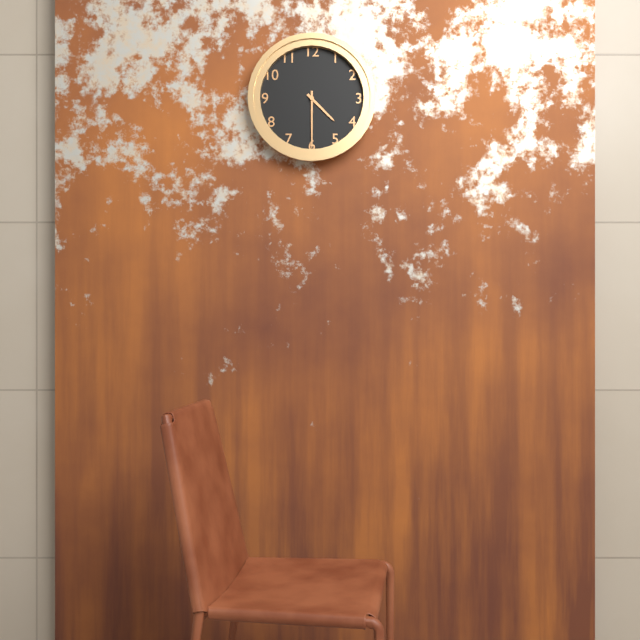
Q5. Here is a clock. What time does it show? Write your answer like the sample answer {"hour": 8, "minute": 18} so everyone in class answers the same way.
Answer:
{"hour": 4, "minute": 30}
